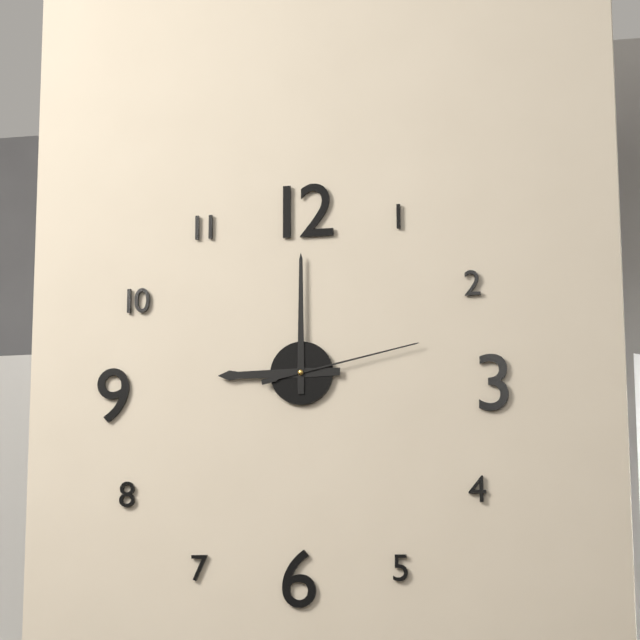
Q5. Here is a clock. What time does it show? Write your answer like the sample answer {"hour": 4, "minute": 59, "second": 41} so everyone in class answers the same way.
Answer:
{"hour": 9, "minute": 0, "second": 13}
